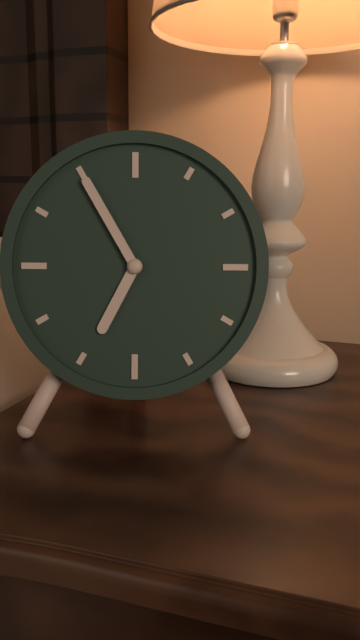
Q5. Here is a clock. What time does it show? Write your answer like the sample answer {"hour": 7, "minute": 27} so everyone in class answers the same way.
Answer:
{"hour": 6, "minute": 55}
